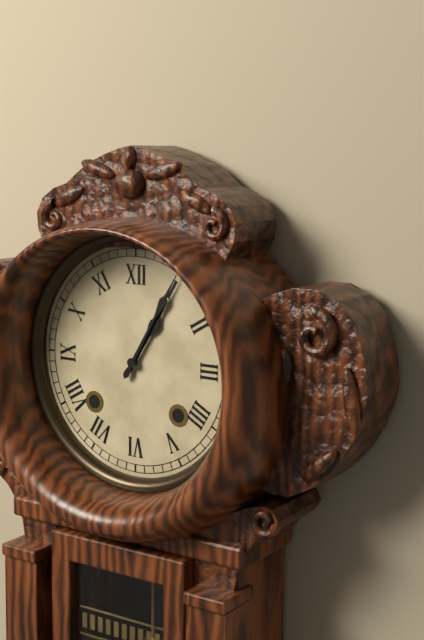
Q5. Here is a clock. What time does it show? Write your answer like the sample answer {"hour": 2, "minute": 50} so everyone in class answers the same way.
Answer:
{"hour": 1, "minute": 5}
